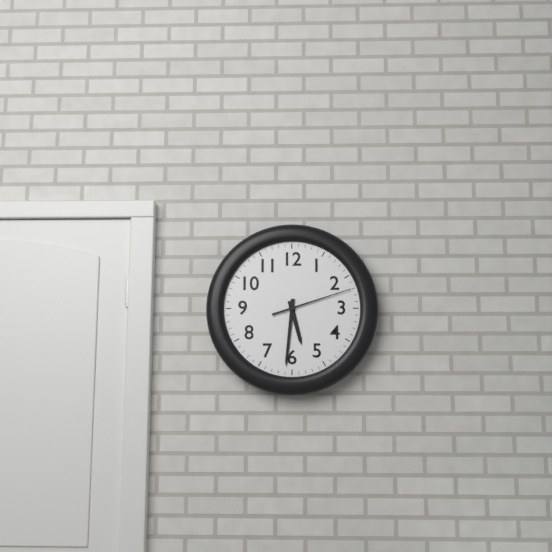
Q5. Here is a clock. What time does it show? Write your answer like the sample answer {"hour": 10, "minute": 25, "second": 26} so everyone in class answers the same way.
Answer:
{"hour": 5, "minute": 31, "second": 12}
